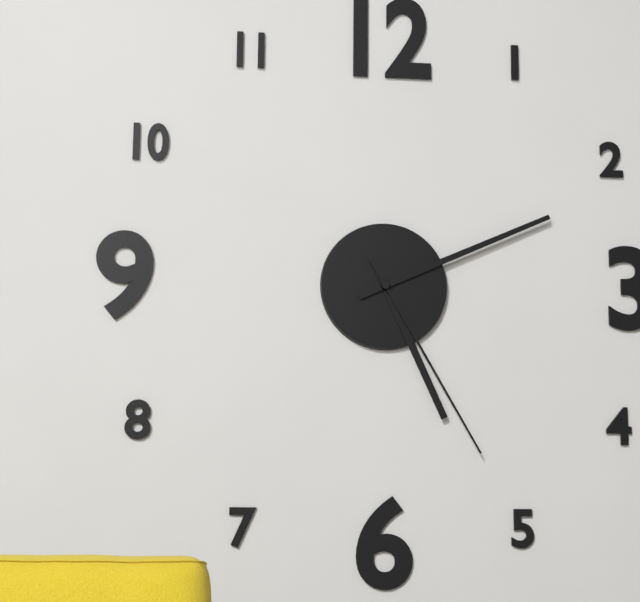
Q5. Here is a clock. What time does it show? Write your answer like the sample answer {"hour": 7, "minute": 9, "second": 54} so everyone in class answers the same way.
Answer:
{"hour": 5, "minute": 11, "second": 25}
